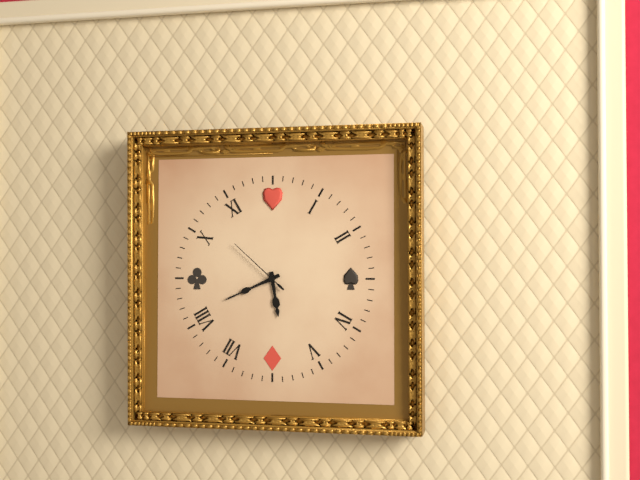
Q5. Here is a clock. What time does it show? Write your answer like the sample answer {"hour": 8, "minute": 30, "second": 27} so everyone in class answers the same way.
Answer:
{"hour": 5, "minute": 41, "second": 52}
